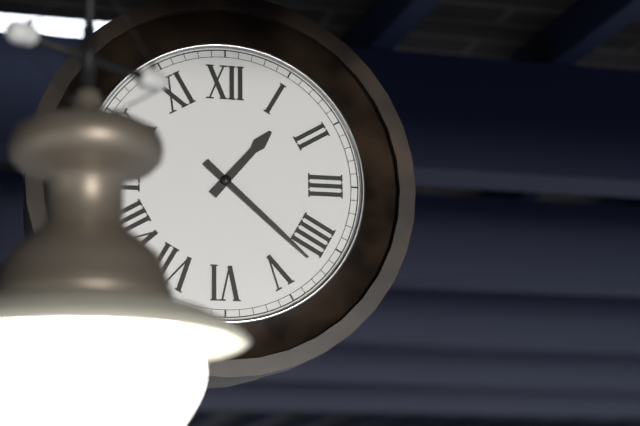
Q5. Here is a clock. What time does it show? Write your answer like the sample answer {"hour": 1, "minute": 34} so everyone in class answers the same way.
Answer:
{"hour": 1, "minute": 22}
